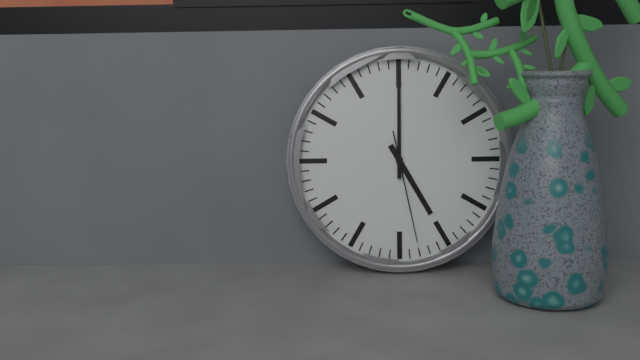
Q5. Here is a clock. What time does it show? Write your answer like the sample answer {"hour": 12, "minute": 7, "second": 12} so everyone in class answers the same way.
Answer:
{"hour": 5, "minute": 0, "second": 28}
